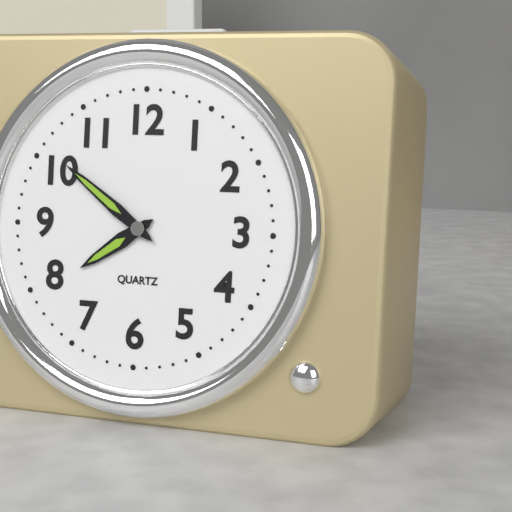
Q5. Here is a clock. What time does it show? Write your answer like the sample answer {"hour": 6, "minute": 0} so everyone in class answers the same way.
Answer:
{"hour": 7, "minute": 51}
